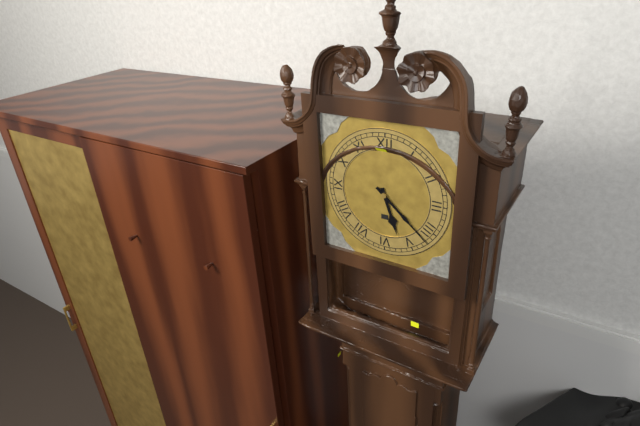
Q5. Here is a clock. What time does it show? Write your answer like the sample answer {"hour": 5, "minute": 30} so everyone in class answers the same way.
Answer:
{"hour": 5, "minute": 22}
